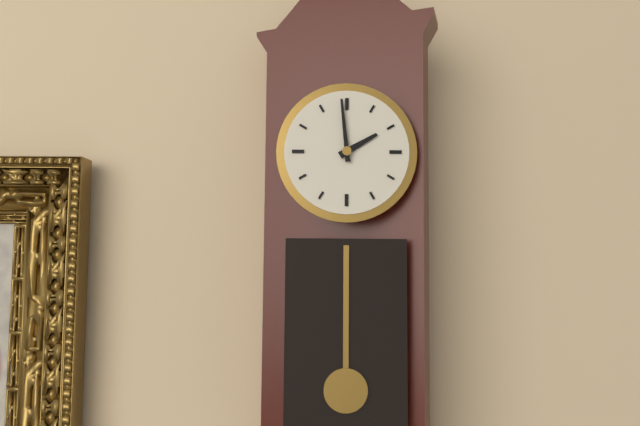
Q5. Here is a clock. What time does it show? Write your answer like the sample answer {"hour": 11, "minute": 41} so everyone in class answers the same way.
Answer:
{"hour": 1, "minute": 59}
